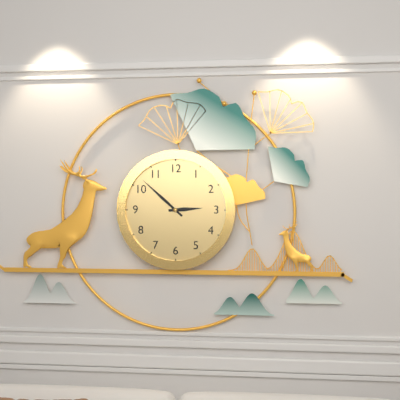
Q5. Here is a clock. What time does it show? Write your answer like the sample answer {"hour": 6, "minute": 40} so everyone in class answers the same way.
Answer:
{"hour": 2, "minute": 52}
